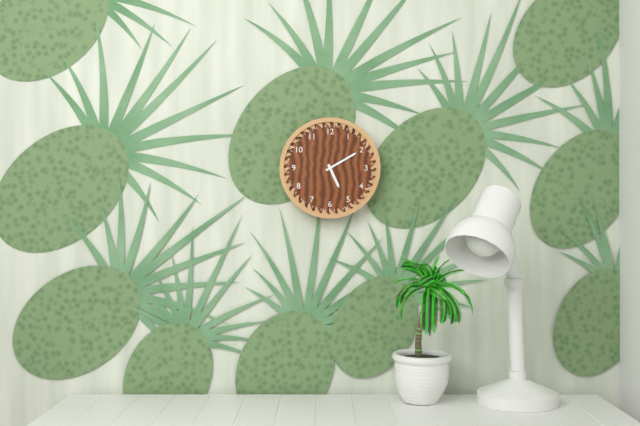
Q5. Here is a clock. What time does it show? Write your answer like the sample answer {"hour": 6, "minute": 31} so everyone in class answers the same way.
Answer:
{"hour": 5, "minute": 10}
